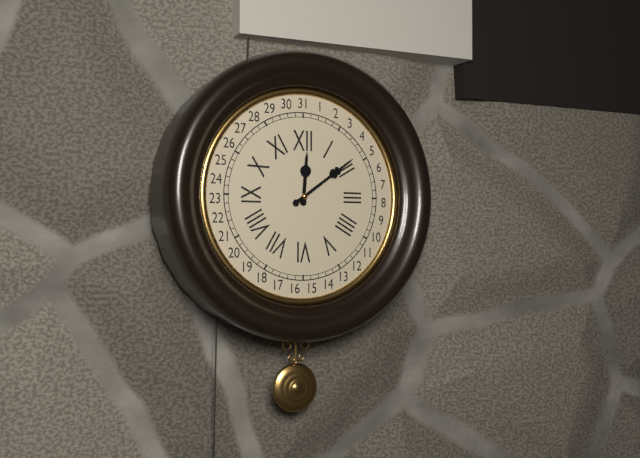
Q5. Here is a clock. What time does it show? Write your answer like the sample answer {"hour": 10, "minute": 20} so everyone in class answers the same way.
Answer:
{"hour": 12, "minute": 9}
